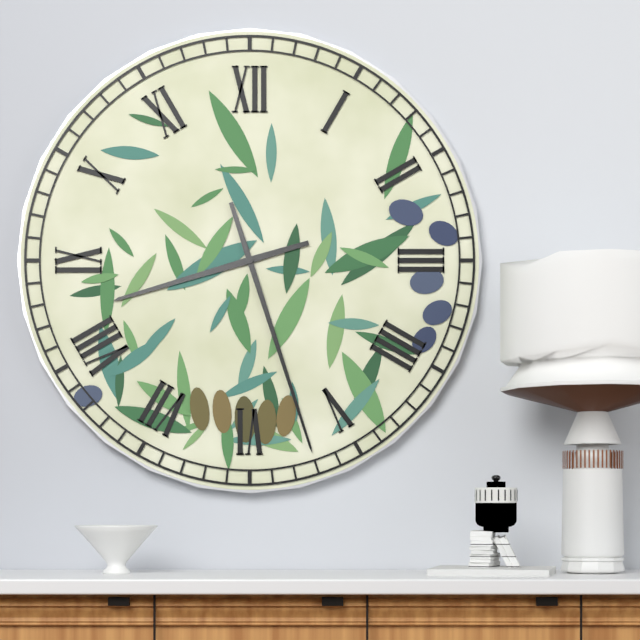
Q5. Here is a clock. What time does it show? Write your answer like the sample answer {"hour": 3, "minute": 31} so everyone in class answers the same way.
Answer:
{"hour": 8, "minute": 27}
